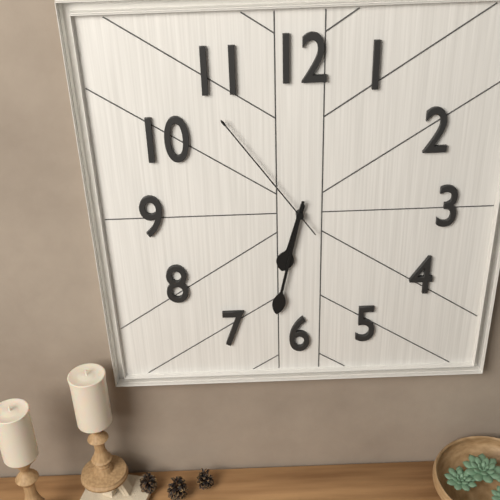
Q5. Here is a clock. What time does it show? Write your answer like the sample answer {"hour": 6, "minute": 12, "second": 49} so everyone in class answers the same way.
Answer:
{"hour": 6, "minute": 32, "second": 54}
